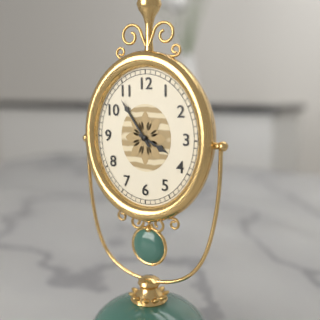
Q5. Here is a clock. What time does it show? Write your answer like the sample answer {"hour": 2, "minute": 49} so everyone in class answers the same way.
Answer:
{"hour": 3, "minute": 54}
